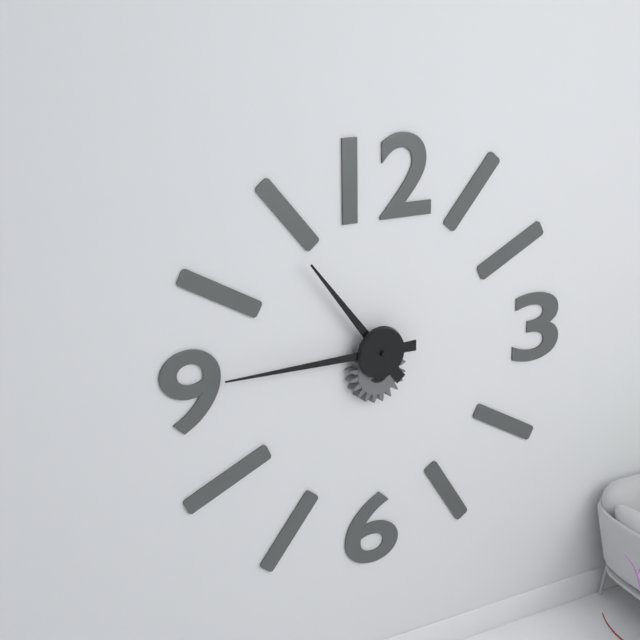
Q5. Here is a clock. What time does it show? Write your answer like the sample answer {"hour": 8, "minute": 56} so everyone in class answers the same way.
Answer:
{"hour": 10, "minute": 45}
